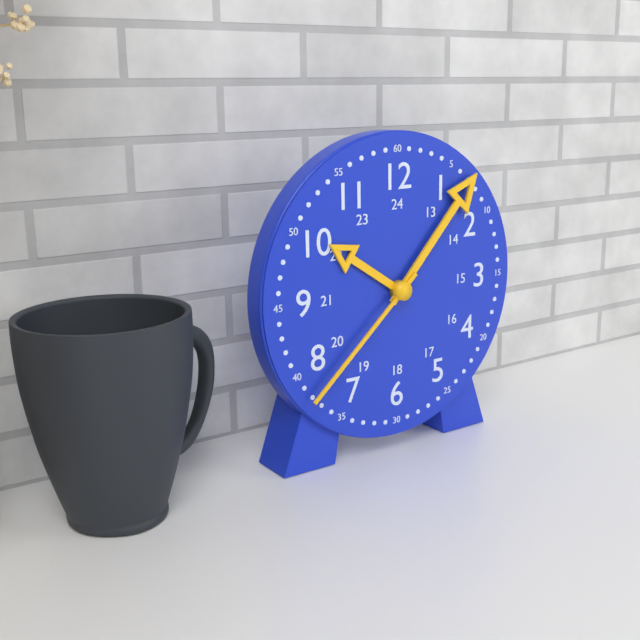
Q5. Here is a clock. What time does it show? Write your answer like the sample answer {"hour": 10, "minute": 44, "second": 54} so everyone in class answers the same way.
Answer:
{"hour": 10, "minute": 7, "second": 38}
